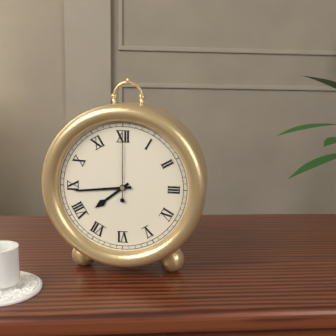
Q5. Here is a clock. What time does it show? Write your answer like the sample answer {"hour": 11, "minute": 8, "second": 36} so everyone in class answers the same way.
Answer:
{"hour": 7, "minute": 44, "second": 0}
